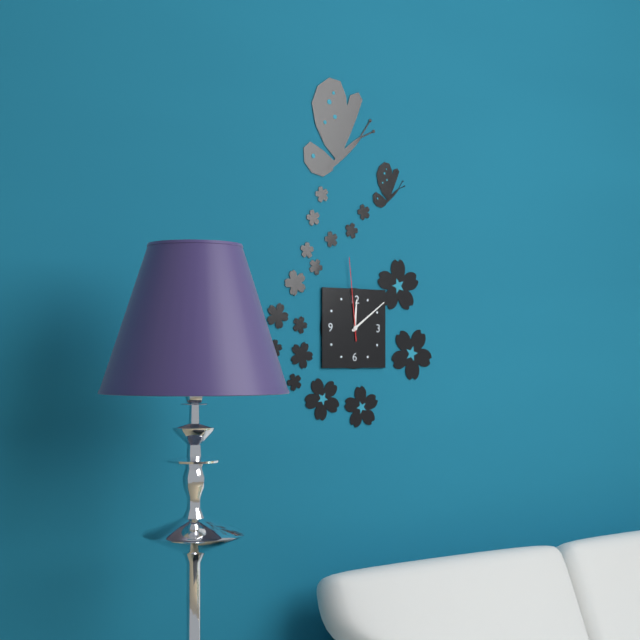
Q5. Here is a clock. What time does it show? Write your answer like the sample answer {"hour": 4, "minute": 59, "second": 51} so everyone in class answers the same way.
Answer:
{"hour": 12, "minute": 9, "second": 59}
